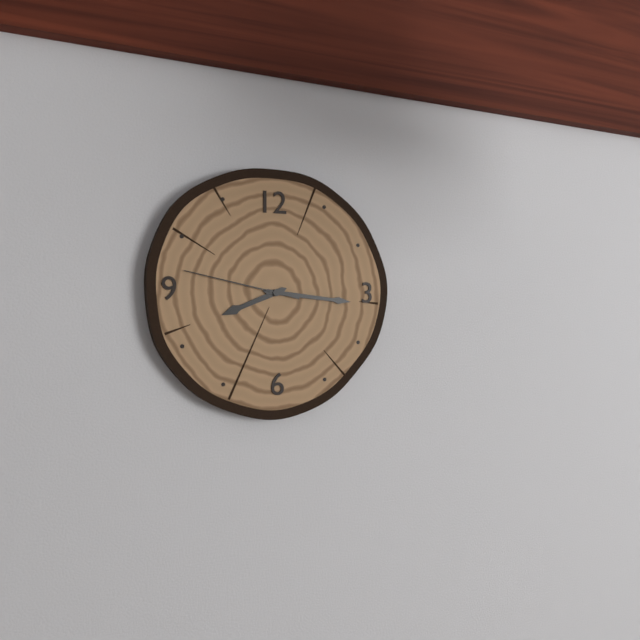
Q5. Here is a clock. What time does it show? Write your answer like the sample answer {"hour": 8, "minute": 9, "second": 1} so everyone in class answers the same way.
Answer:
{"hour": 8, "minute": 16, "second": 47}
